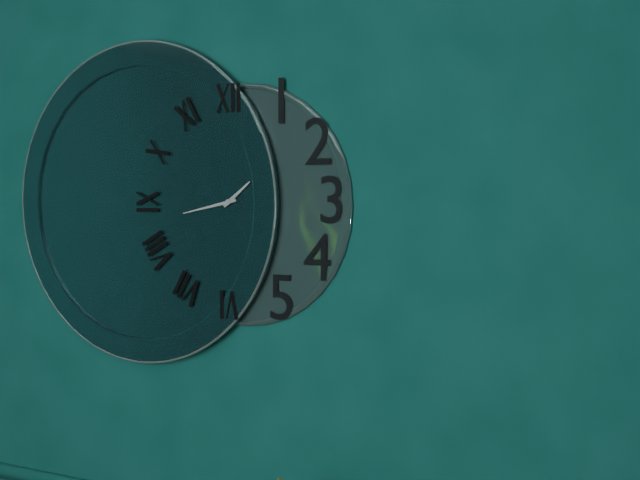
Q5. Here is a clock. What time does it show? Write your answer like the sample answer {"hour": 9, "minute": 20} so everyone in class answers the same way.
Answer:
{"hour": 1, "minute": 43}
